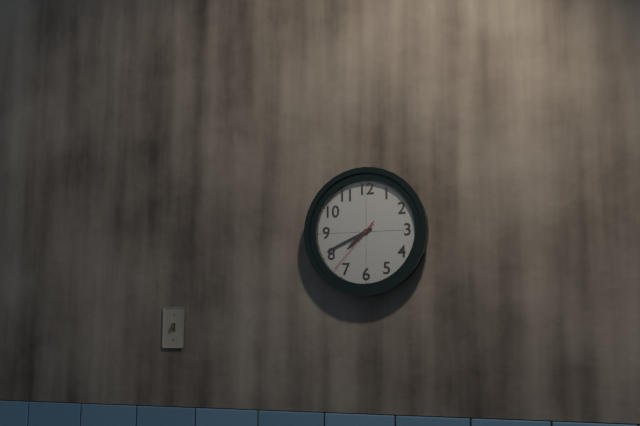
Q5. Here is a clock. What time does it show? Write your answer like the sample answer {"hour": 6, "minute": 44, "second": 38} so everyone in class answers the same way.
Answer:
{"hour": 7, "minute": 41, "second": 37}
